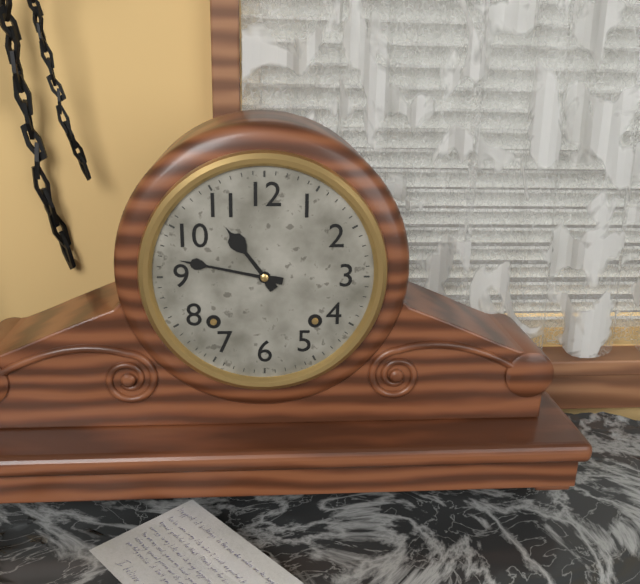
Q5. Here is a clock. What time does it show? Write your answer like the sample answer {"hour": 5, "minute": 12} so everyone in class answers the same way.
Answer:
{"hour": 10, "minute": 47}
